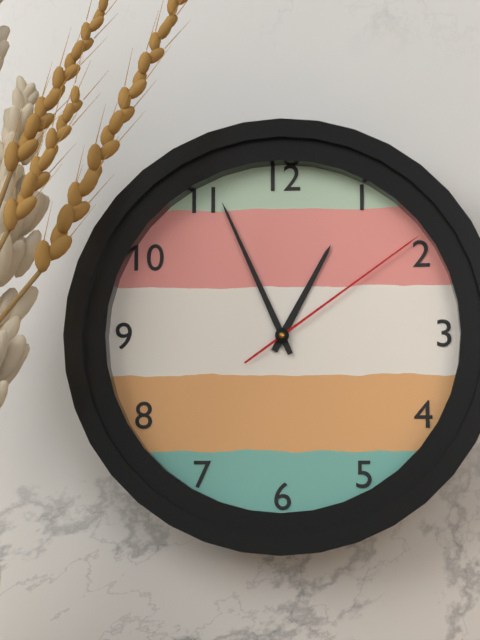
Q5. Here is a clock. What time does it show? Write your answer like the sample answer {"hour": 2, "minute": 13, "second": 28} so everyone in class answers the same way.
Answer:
{"hour": 12, "minute": 56, "second": 9}
